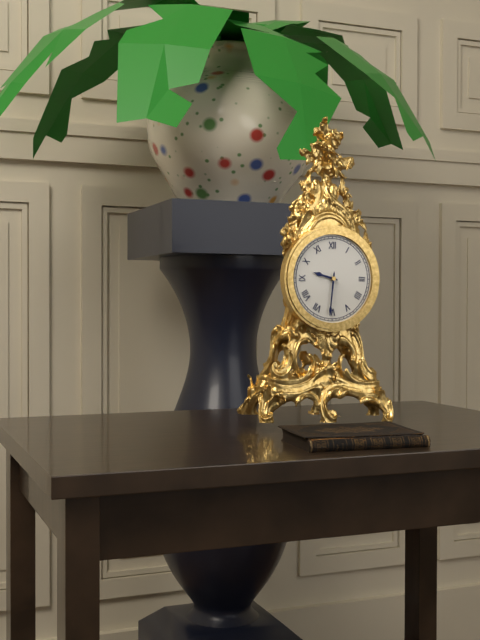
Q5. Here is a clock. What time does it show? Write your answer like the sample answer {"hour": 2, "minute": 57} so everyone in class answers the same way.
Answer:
{"hour": 9, "minute": 31}
